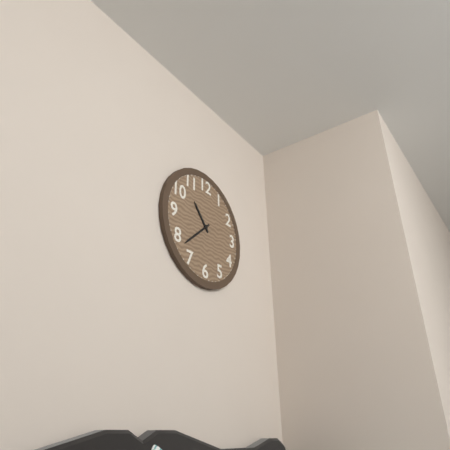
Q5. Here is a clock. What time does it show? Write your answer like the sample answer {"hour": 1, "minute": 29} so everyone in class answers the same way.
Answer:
{"hour": 10, "minute": 38}
